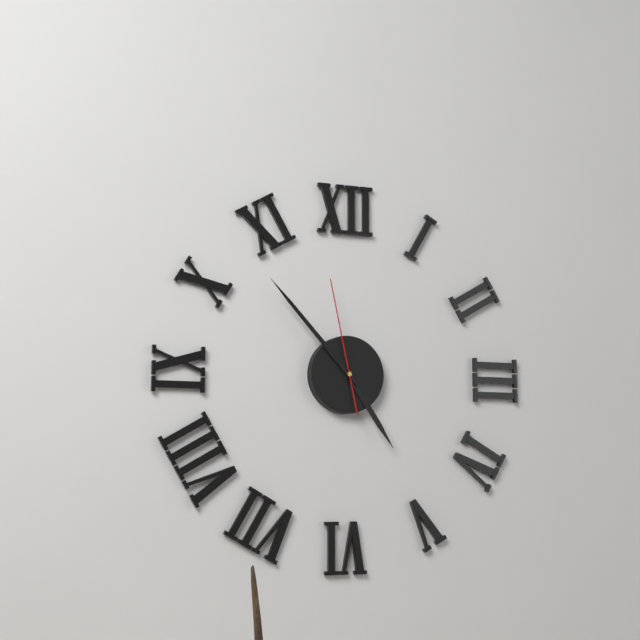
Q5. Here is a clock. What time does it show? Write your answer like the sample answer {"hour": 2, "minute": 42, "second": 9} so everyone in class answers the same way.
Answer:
{"hour": 4, "minute": 53, "second": 58}
